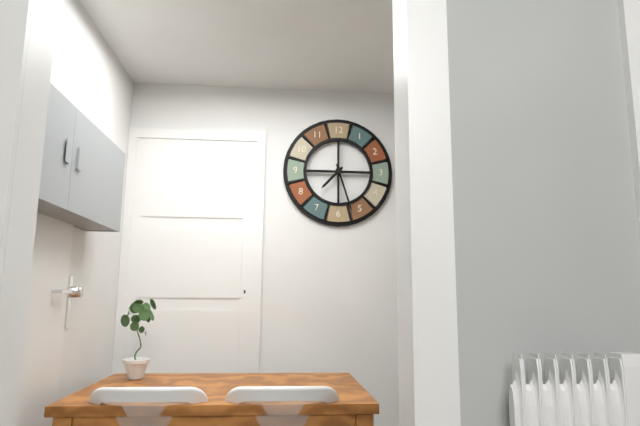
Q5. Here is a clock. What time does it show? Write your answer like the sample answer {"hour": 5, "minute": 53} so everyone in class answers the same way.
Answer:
{"hour": 7, "minute": 27}
